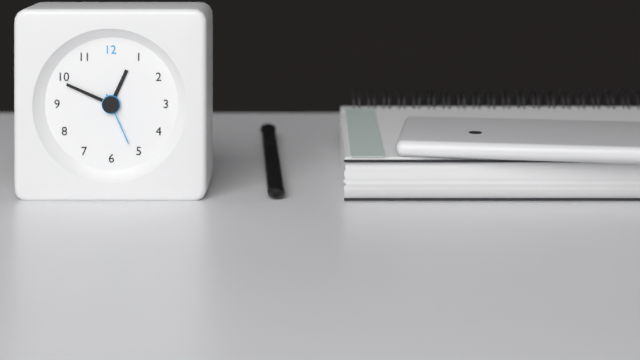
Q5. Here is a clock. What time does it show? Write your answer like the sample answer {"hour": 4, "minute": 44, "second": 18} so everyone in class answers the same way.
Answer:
{"hour": 12, "minute": 49, "second": 26}
